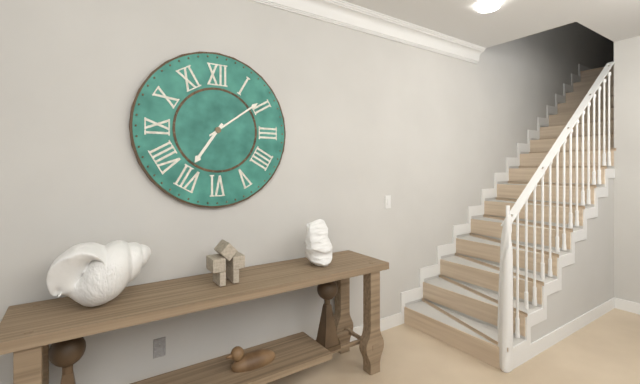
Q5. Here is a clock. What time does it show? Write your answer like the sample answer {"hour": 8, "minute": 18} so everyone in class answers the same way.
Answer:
{"hour": 7, "minute": 9}
